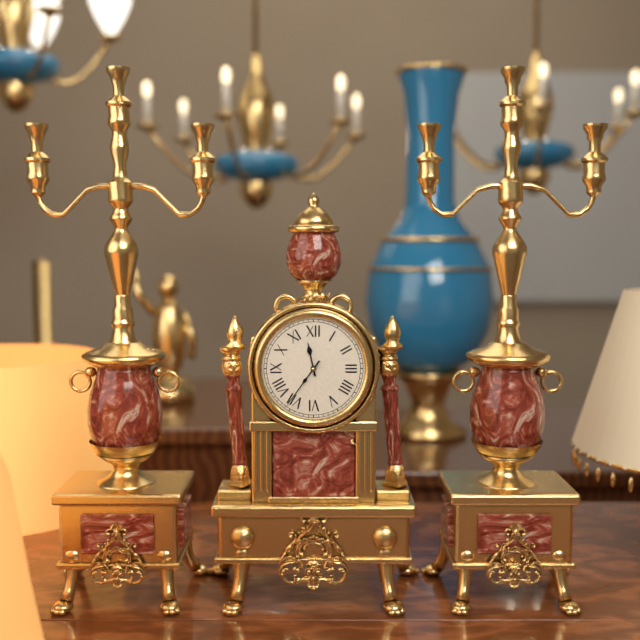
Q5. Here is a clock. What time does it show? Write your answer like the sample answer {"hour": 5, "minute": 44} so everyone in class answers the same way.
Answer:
{"hour": 11, "minute": 36}
